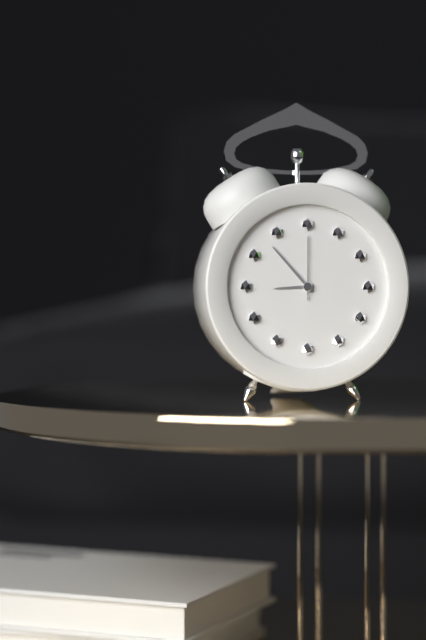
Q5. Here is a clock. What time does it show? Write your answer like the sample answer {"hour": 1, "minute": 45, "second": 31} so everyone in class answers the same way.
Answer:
{"hour": 8, "minute": 53, "second": 0}
